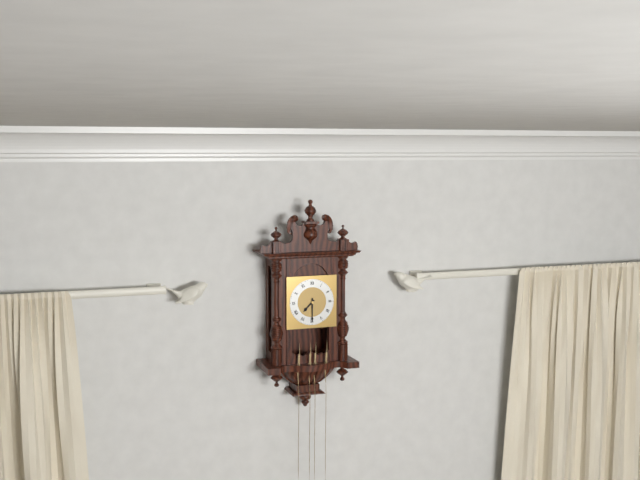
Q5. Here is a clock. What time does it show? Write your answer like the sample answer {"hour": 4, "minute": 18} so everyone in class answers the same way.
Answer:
{"hour": 7, "minute": 30}
